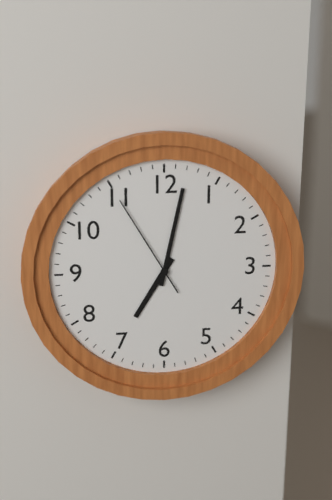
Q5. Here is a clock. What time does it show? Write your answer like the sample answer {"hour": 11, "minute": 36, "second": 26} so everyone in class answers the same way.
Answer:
{"hour": 7, "minute": 2, "second": 55}
